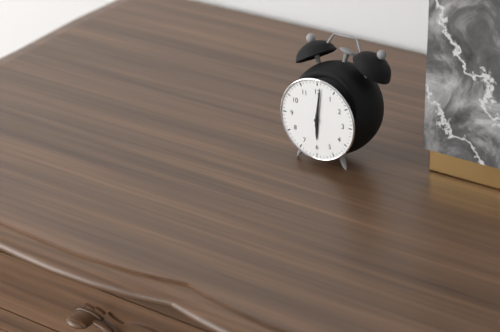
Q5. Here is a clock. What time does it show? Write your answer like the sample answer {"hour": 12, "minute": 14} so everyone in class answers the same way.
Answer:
{"hour": 6, "minute": 1}
